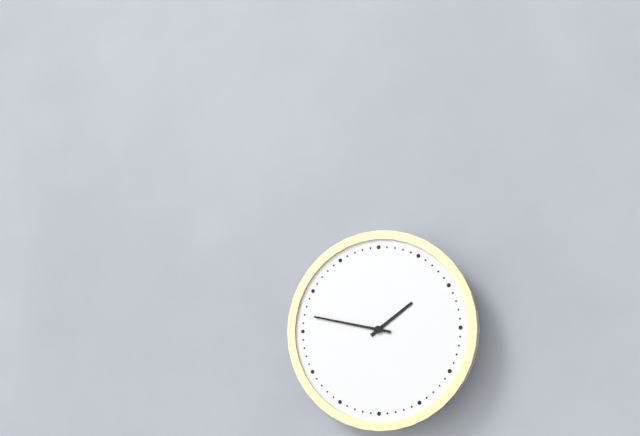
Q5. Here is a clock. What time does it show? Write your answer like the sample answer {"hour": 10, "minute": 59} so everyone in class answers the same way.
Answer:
{"hour": 1, "minute": 47}
